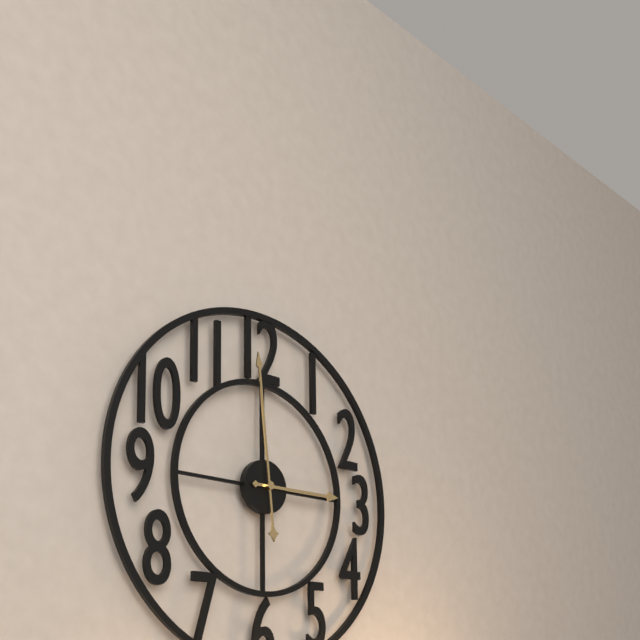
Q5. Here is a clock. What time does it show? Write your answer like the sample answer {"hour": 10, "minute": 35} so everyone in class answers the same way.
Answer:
{"hour": 2, "minute": 59}
